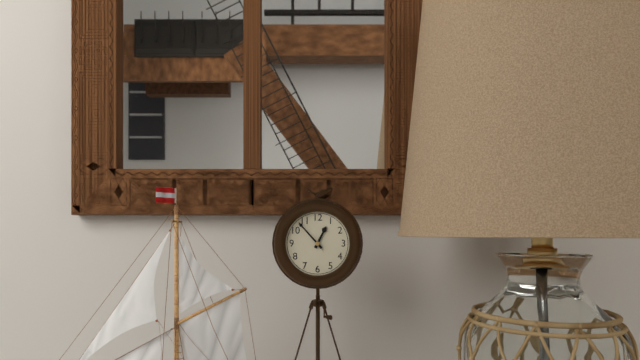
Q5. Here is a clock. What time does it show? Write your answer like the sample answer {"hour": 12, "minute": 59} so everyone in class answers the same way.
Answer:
{"hour": 12, "minute": 53}
